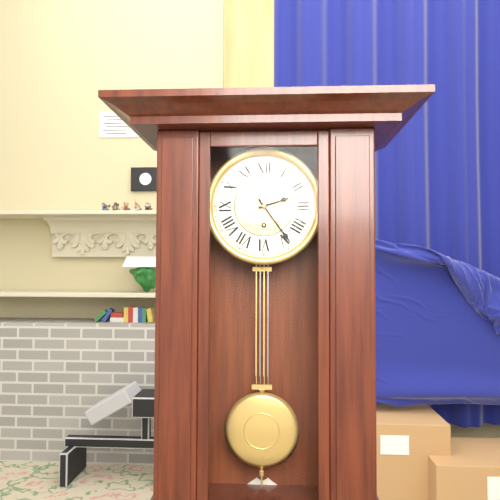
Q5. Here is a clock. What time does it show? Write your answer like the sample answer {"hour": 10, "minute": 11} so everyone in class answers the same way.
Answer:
{"hour": 2, "minute": 24}
